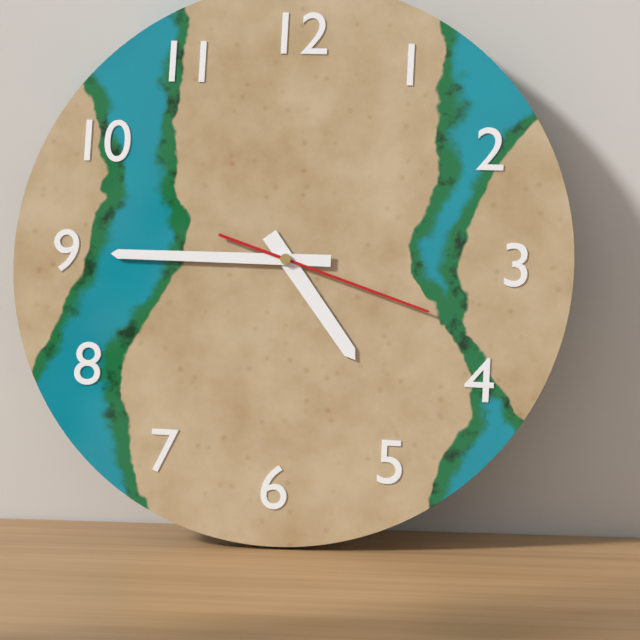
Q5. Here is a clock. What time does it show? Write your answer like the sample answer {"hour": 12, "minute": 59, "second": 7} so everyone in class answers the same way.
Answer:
{"hour": 4, "minute": 45, "second": 18}
